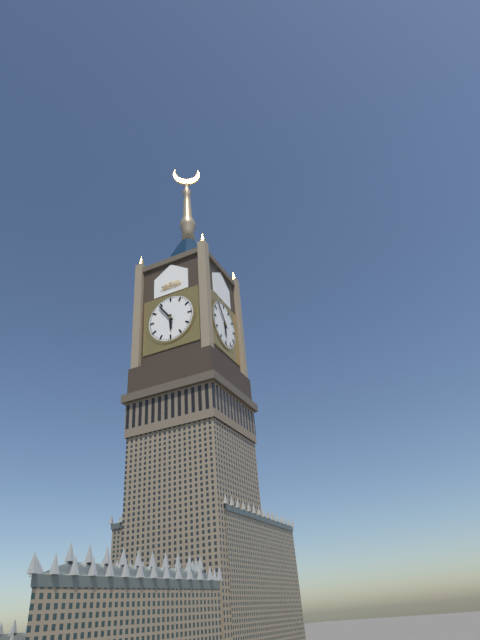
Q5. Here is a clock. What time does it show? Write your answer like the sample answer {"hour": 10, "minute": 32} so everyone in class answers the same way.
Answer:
{"hour": 5, "minute": 54}
